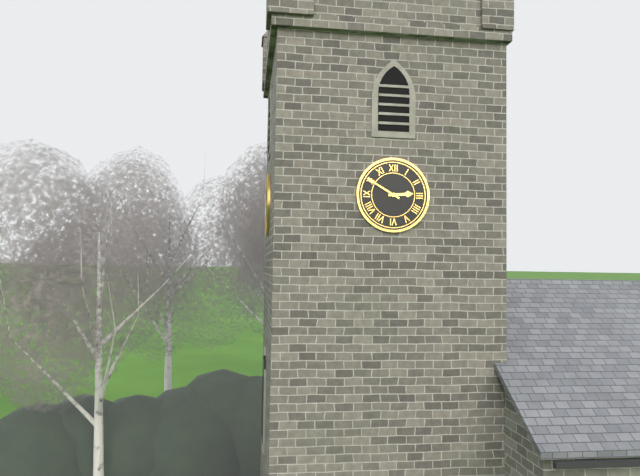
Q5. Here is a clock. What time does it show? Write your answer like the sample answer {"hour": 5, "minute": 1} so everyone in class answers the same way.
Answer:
{"hour": 2, "minute": 50}
